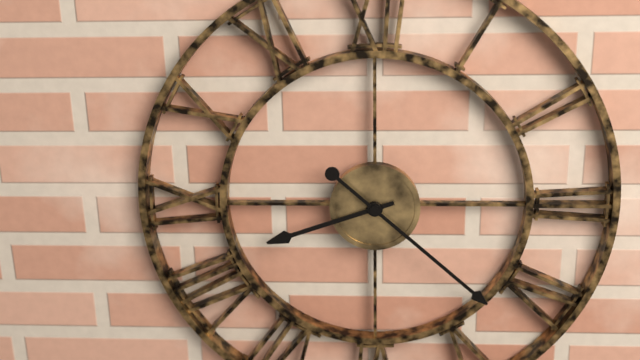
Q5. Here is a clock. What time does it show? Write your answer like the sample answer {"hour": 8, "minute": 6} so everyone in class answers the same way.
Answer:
{"hour": 8, "minute": 22}
